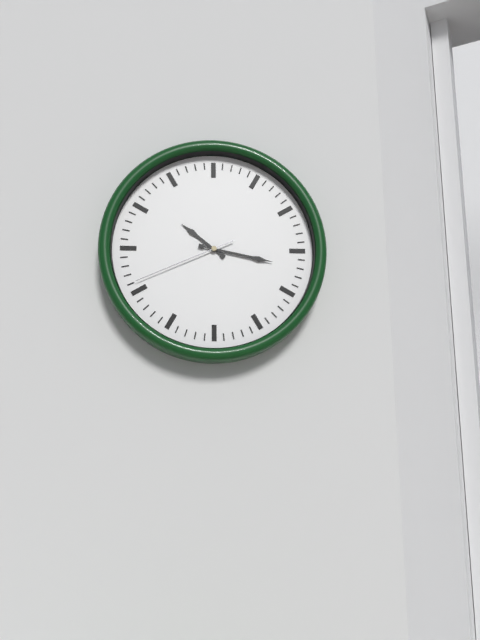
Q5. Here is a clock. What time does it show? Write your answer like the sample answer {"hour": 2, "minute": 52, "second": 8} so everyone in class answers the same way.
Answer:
{"hour": 10, "minute": 17, "second": 41}
